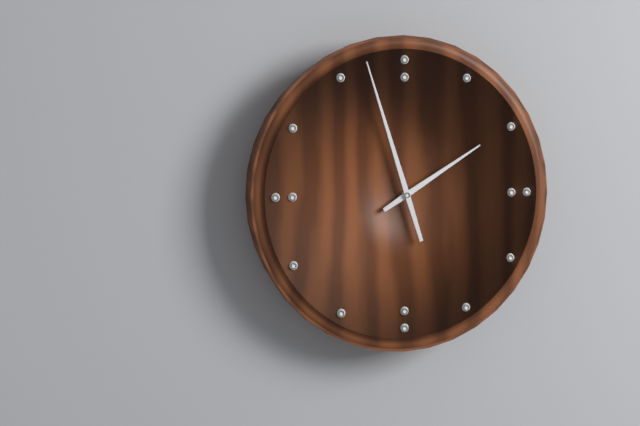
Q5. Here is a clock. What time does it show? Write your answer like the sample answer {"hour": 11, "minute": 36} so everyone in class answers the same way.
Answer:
{"hour": 1, "minute": 57}
